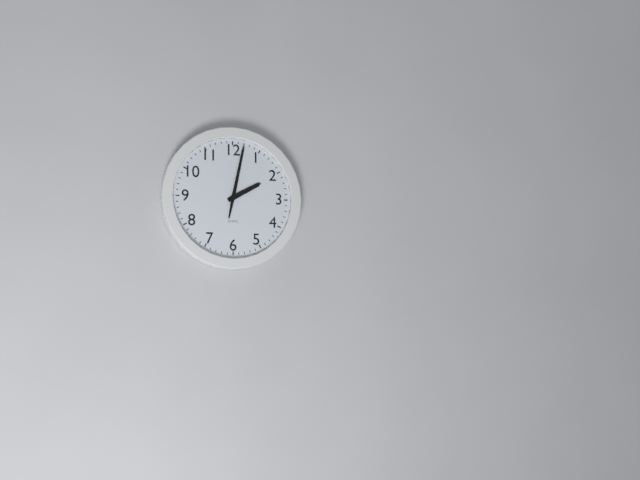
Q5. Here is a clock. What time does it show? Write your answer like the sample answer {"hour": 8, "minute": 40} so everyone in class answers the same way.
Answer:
{"hour": 2, "minute": 2}
